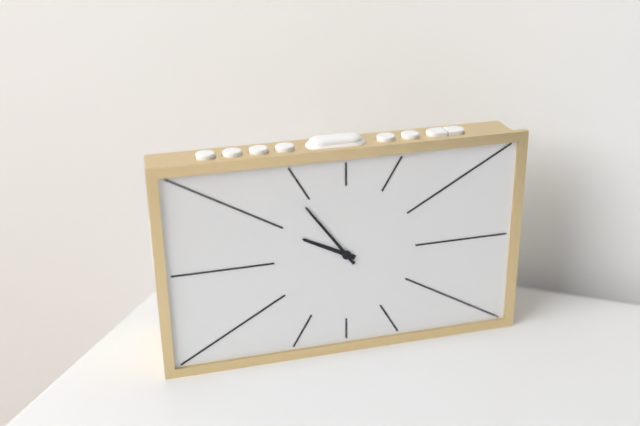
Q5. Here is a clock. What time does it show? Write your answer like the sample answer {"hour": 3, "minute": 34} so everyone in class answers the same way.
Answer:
{"hour": 9, "minute": 54}
